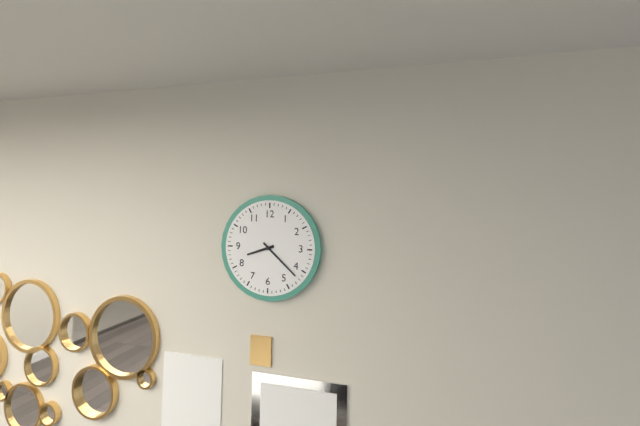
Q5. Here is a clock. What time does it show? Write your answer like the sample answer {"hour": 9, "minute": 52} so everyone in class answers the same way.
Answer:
{"hour": 8, "minute": 22}
